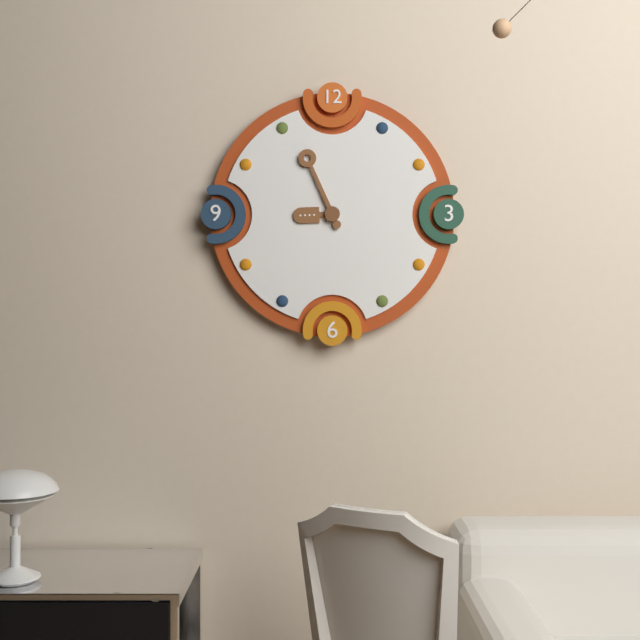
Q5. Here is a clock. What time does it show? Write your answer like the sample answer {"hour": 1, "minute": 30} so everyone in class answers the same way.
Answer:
{"hour": 8, "minute": 56}
